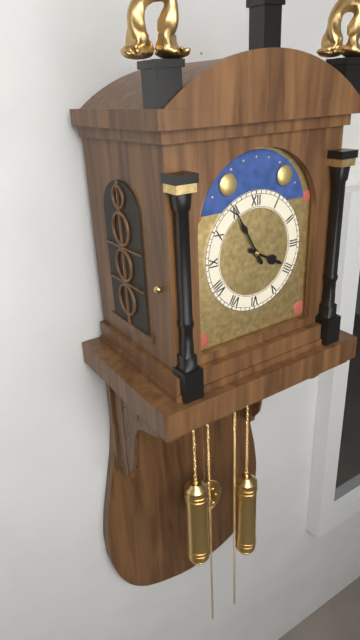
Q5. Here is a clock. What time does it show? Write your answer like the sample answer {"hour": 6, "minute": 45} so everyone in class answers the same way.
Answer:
{"hour": 3, "minute": 55}
